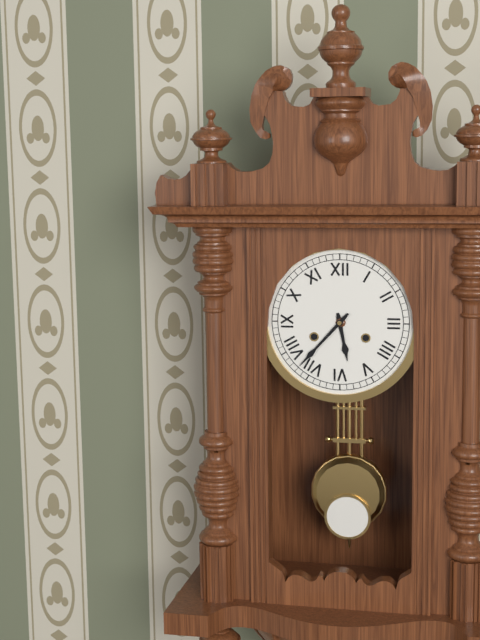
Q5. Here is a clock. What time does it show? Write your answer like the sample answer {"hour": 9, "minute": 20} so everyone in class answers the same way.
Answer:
{"hour": 5, "minute": 37}
